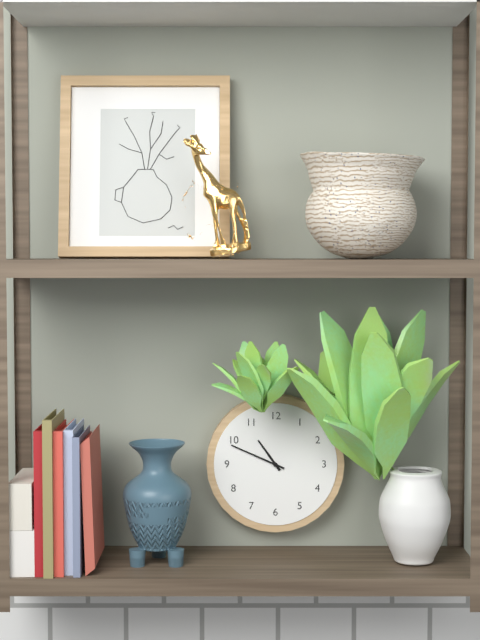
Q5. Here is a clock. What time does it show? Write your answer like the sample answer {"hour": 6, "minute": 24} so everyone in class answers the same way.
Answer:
{"hour": 10, "minute": 49}
